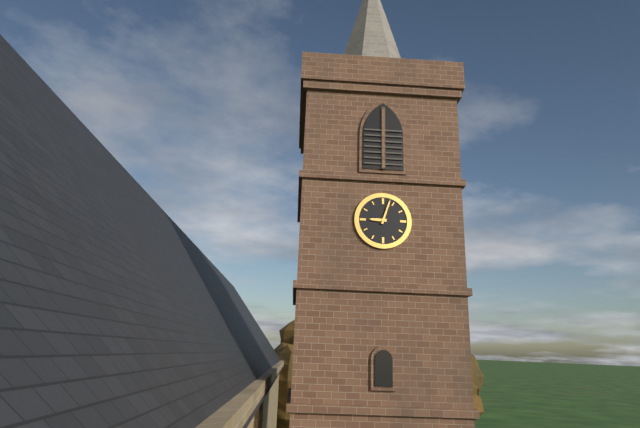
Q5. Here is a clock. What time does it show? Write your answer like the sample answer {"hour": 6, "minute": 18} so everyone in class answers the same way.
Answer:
{"hour": 9, "minute": 3}
